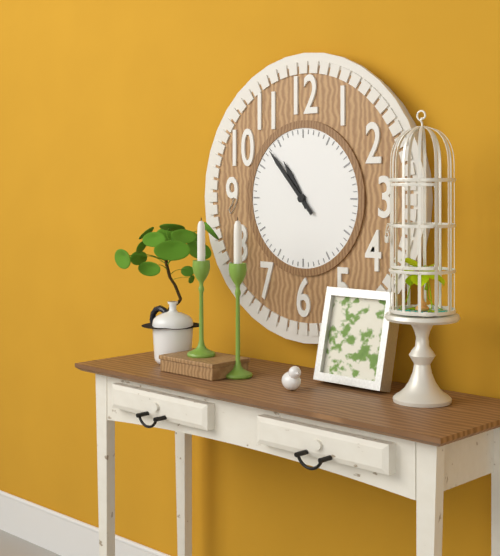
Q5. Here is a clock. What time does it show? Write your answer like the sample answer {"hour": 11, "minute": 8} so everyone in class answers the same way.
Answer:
{"hour": 10, "minute": 53}
